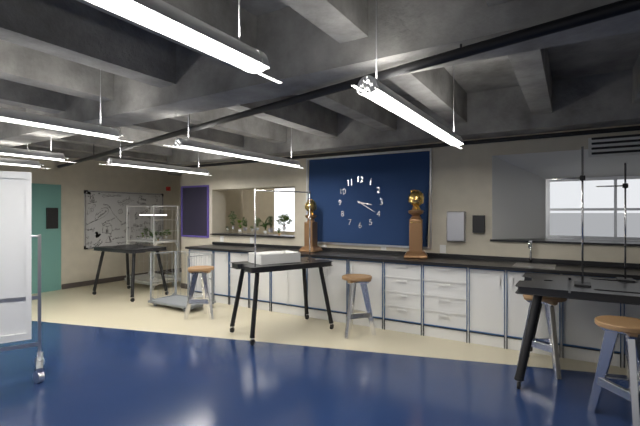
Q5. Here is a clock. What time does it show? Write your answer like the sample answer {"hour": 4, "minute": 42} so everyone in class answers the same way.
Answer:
{"hour": 3, "minute": 20}
